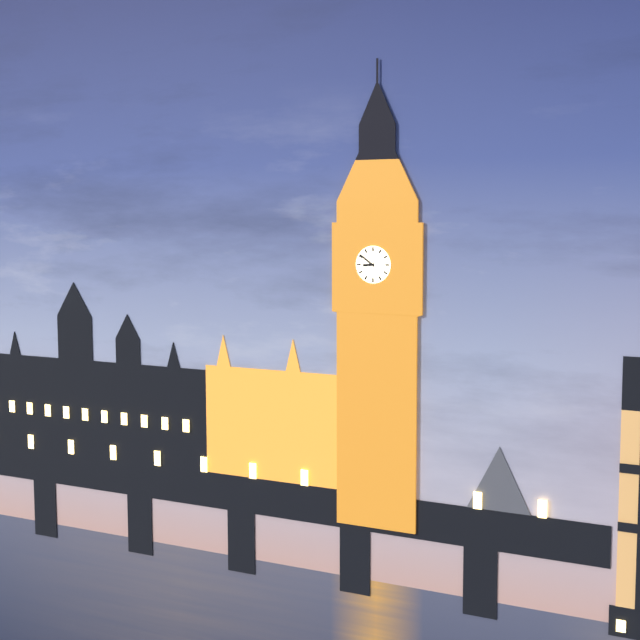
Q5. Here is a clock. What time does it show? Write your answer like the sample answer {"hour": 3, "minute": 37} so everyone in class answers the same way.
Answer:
{"hour": 8, "minute": 51}
